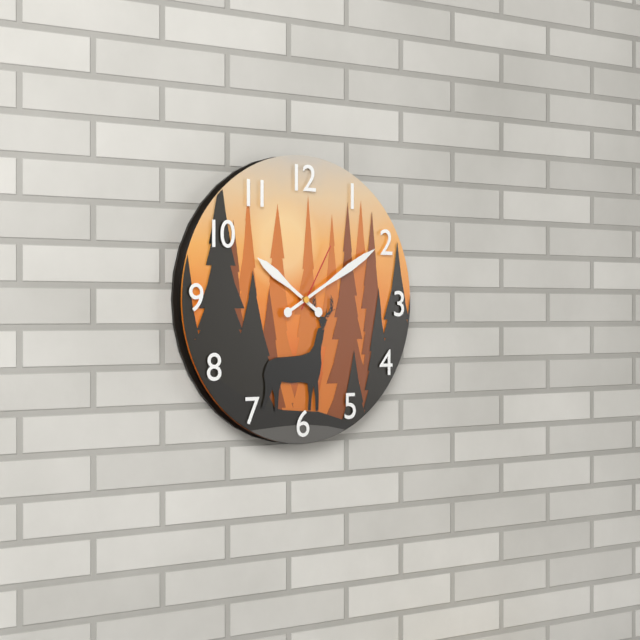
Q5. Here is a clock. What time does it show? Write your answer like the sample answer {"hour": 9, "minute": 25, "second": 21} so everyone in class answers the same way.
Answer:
{"hour": 10, "minute": 10, "second": 5}
